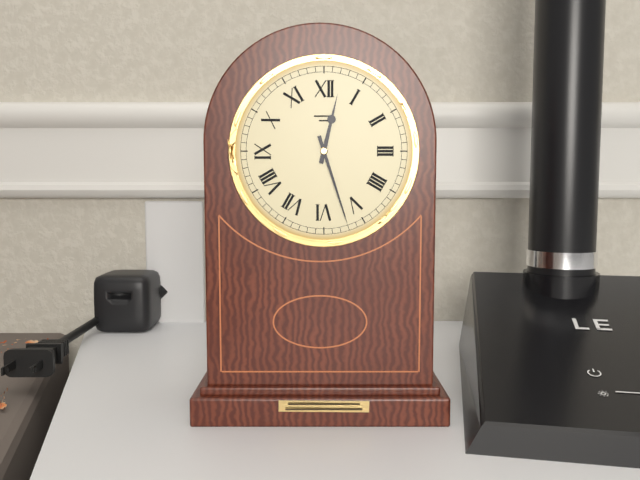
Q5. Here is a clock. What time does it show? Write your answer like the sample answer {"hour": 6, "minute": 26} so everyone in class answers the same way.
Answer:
{"hour": 12, "minute": 27}
